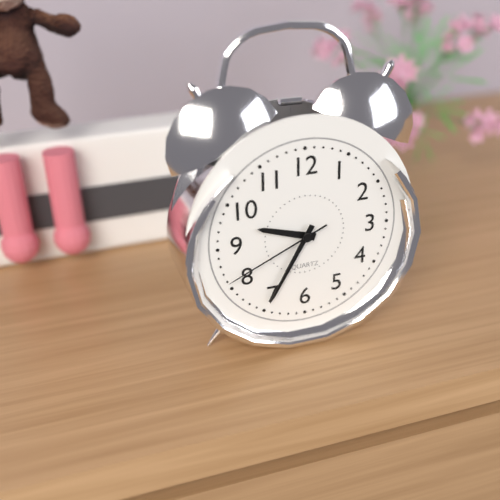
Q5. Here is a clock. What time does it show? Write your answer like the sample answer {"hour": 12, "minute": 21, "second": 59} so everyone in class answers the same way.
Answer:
{"hour": 9, "minute": 35, "second": 41}
